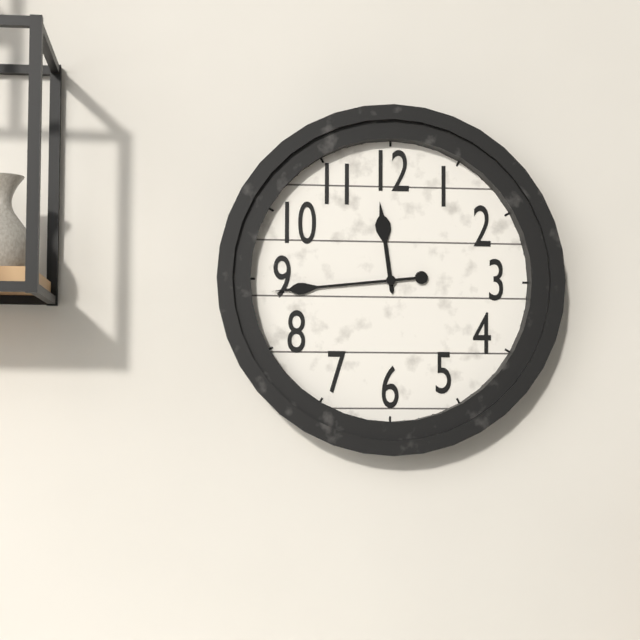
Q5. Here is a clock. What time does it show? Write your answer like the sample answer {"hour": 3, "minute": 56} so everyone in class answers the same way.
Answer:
{"hour": 11, "minute": 44}
